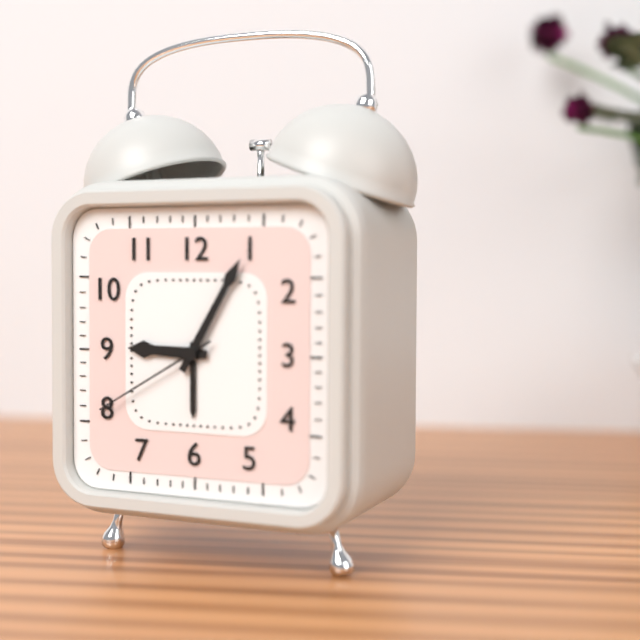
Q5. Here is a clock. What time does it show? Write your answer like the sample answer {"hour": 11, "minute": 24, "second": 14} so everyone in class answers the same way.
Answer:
{"hour": 9, "minute": 5, "second": 40}
